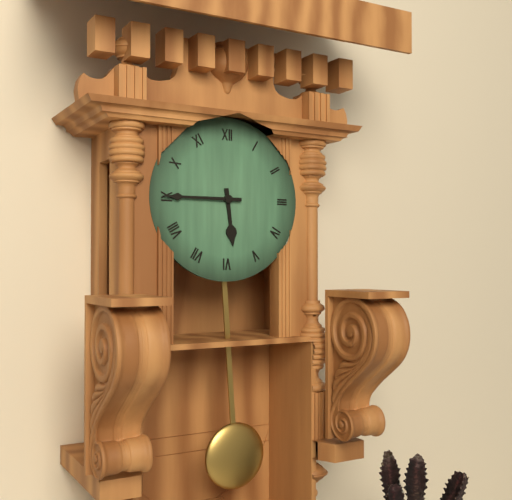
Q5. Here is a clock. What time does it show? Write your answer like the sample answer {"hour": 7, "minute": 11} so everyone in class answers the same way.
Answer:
{"hour": 5, "minute": 45}
